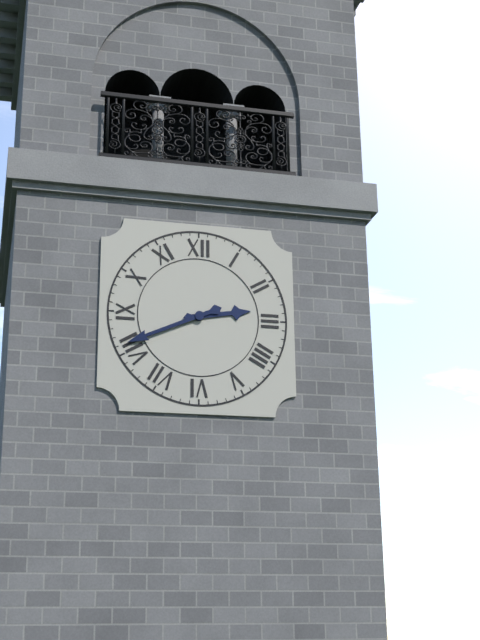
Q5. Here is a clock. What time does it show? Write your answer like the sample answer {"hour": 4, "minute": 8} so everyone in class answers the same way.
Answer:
{"hour": 2, "minute": 41}
